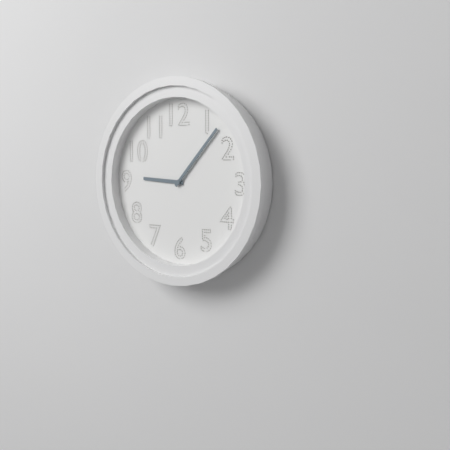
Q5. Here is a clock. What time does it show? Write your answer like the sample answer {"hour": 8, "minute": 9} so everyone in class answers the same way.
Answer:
{"hour": 9, "minute": 7}
